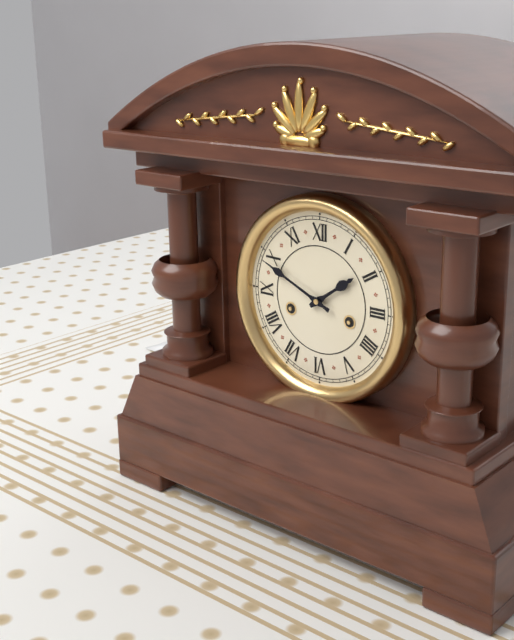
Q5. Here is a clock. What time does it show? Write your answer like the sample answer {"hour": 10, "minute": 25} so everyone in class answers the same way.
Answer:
{"hour": 1, "minute": 49}
